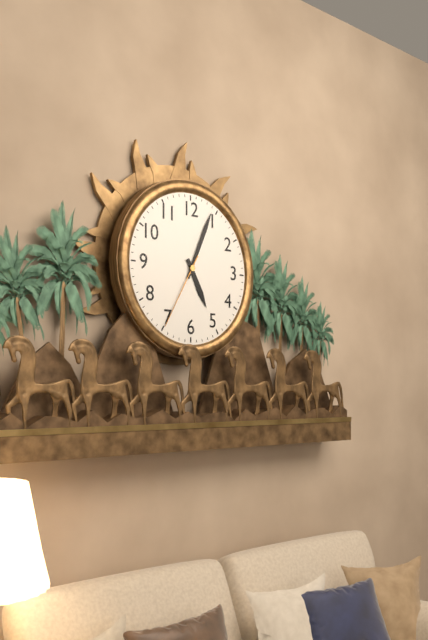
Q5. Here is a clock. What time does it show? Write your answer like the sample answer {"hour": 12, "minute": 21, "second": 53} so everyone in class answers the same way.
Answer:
{"hour": 5, "minute": 4, "second": 35}
